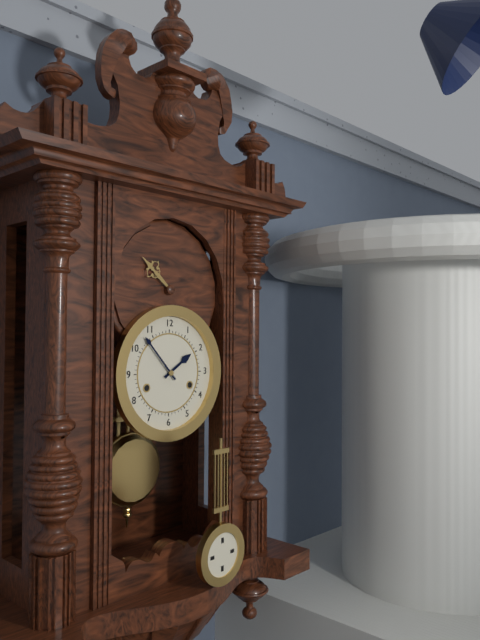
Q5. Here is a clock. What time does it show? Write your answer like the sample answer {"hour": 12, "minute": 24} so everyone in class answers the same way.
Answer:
{"hour": 1, "minute": 53}
